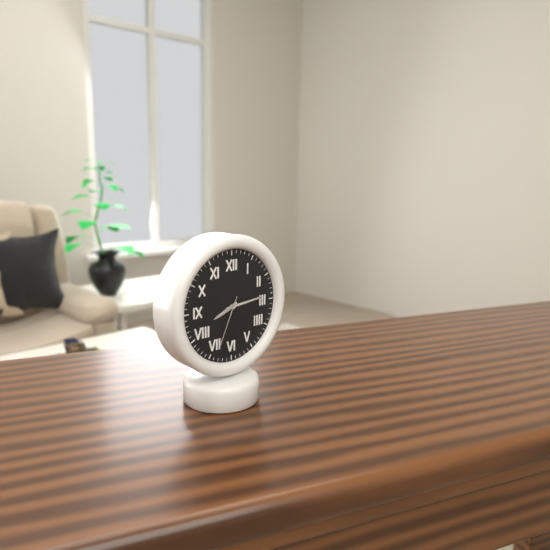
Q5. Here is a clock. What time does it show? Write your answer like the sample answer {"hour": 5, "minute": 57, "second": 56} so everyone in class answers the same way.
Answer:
{"hour": 8, "minute": 14, "second": 34}
